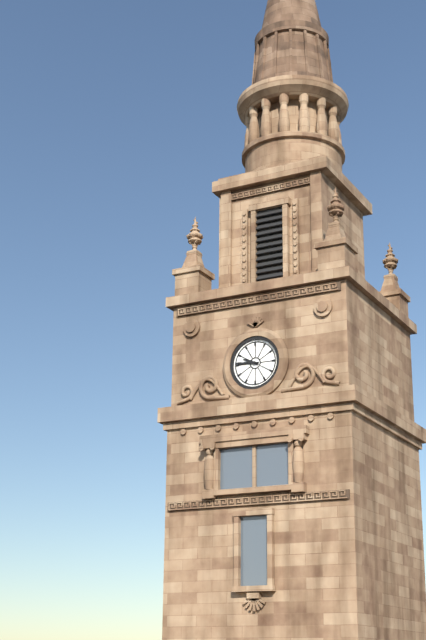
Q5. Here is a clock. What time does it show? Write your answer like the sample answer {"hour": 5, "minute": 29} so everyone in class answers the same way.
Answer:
{"hour": 9, "minute": 46}
